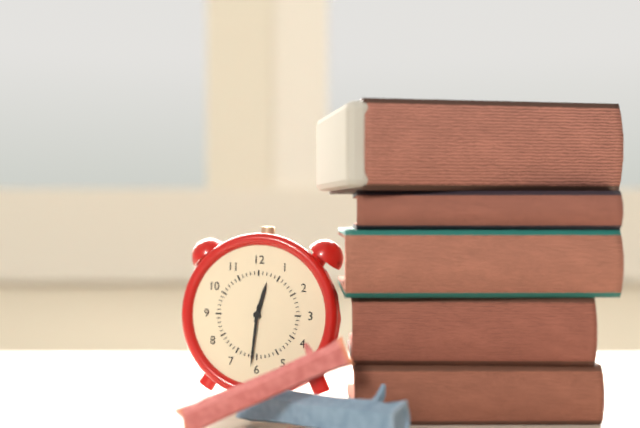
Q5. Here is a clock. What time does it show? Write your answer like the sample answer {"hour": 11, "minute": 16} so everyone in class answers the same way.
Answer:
{"hour": 12, "minute": 31}
